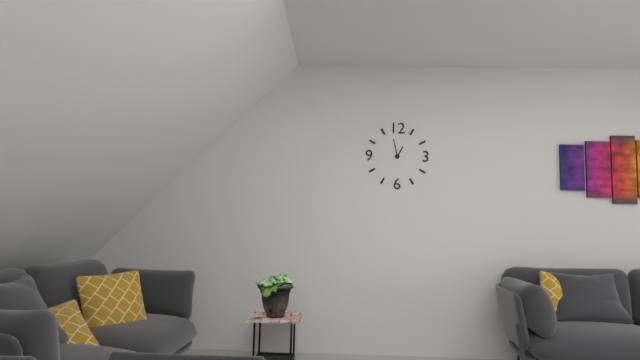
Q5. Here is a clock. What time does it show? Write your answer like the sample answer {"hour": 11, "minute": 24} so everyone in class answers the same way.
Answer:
{"hour": 12, "minute": 58}
